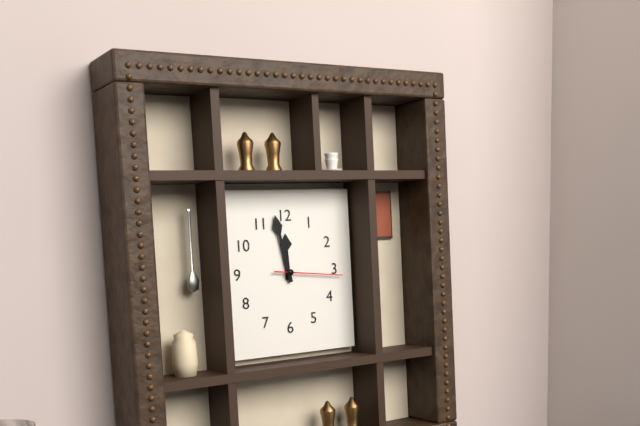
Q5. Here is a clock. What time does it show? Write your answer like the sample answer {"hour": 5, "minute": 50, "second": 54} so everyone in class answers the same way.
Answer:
{"hour": 11, "minute": 58, "second": 16}
